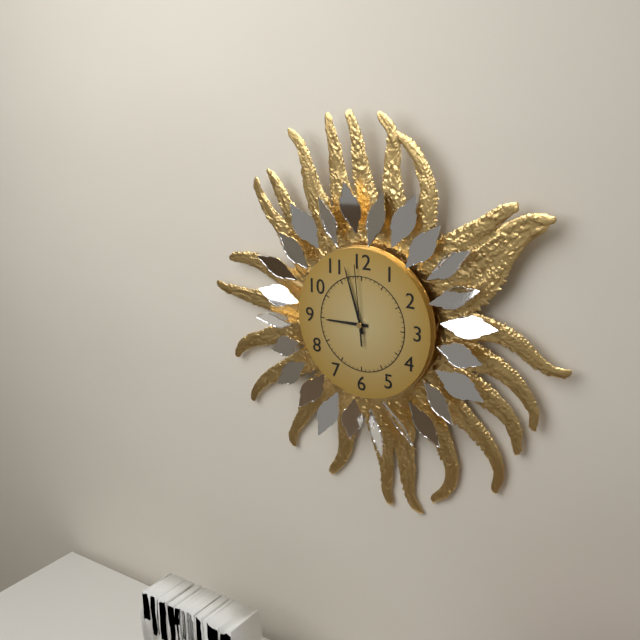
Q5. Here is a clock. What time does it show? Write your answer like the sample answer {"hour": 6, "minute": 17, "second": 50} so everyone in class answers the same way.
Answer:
{"hour": 8, "minute": 57, "second": 59}
